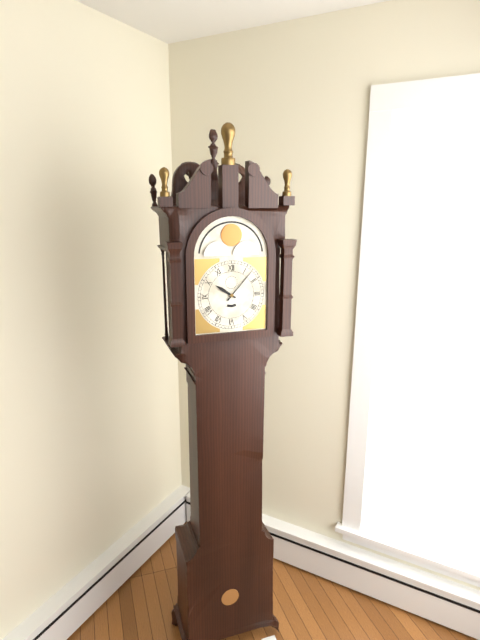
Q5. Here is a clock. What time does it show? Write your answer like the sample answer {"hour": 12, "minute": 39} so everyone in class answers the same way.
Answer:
{"hour": 10, "minute": 7}
